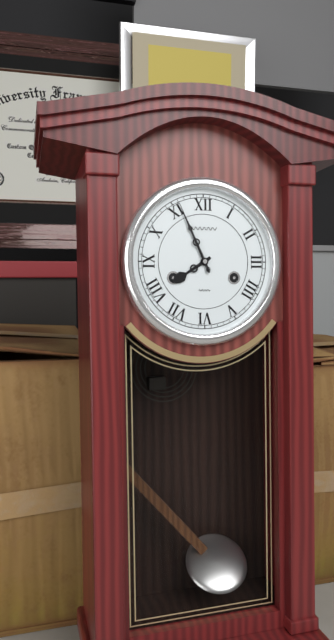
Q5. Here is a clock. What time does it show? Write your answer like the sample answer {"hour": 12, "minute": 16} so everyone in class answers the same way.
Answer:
{"hour": 7, "minute": 56}
